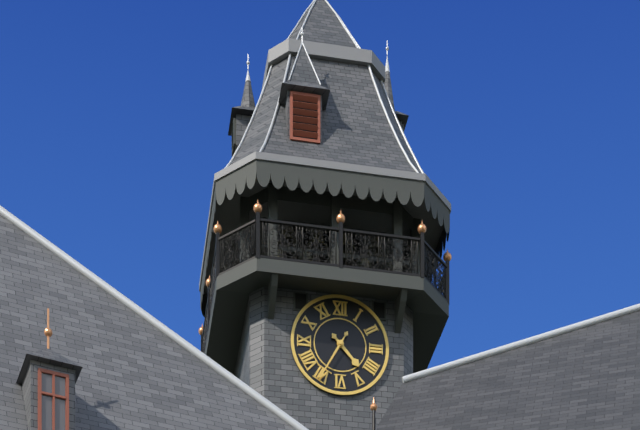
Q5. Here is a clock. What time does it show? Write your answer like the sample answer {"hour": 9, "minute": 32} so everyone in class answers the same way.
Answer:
{"hour": 4, "minute": 35}
